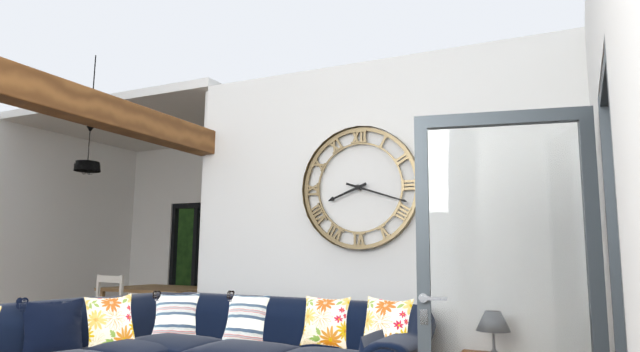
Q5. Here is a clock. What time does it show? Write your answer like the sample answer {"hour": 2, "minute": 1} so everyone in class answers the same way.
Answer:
{"hour": 8, "minute": 18}
